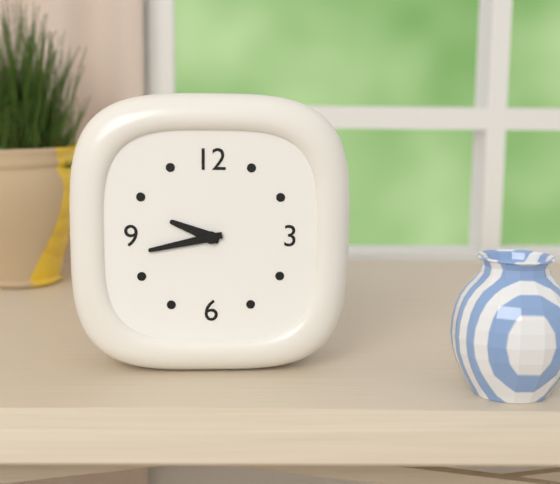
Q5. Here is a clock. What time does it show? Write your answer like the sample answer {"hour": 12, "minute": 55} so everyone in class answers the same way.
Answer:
{"hour": 9, "minute": 43}
